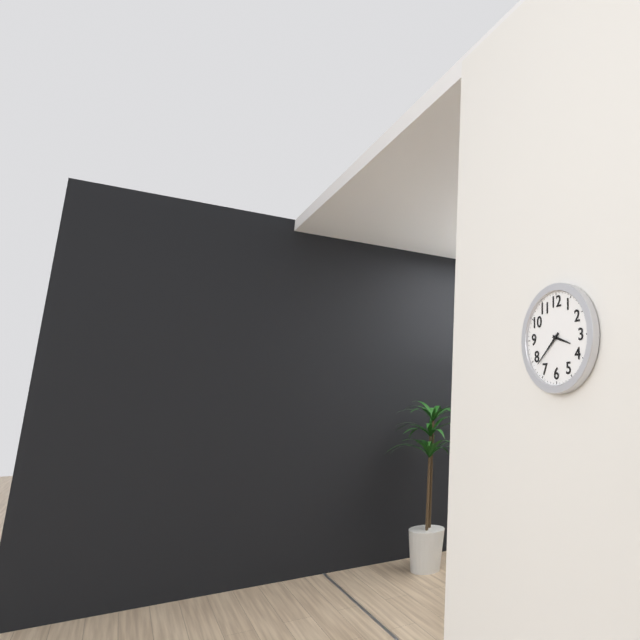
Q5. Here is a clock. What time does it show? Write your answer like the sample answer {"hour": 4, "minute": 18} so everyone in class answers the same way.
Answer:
{"hour": 3, "minute": 38}
